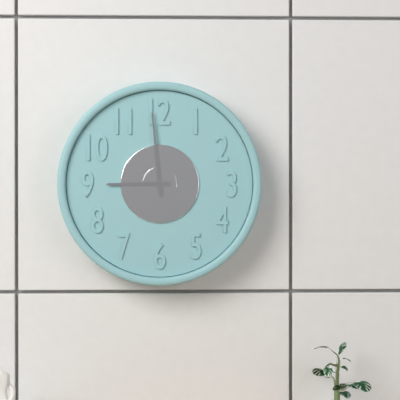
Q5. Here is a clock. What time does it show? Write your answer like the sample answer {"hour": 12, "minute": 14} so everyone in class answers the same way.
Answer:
{"hour": 8, "minute": 59}
